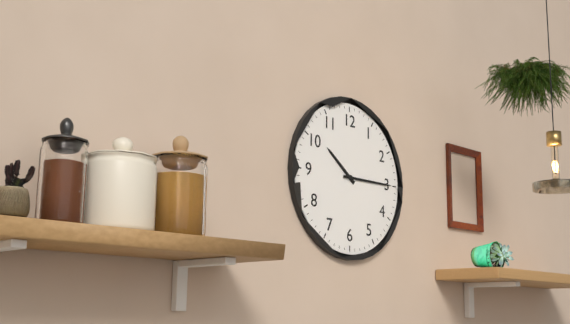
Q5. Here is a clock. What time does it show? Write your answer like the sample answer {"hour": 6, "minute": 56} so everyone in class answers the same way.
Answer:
{"hour": 10, "minute": 15}
